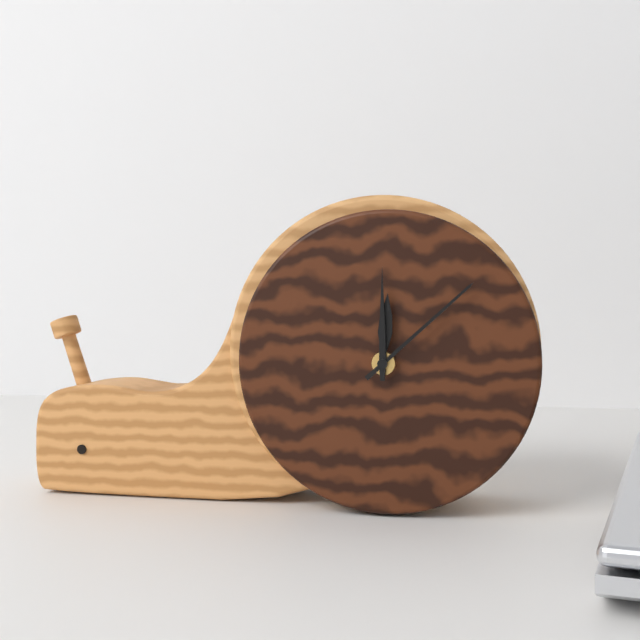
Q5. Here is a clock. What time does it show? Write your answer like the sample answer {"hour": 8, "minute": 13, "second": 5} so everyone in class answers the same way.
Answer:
{"hour": 12, "minute": 8, "second": 0}
